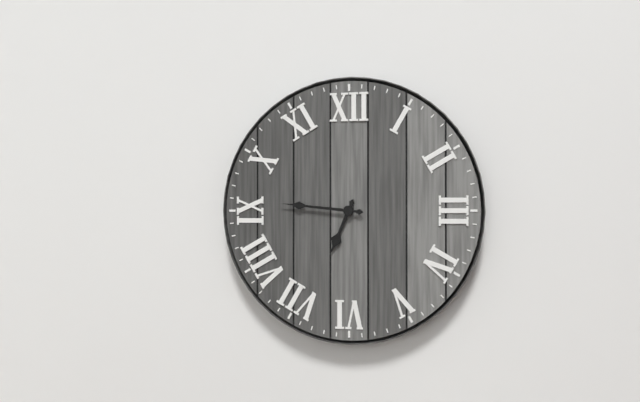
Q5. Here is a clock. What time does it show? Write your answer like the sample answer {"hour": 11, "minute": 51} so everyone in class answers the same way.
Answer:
{"hour": 6, "minute": 46}
